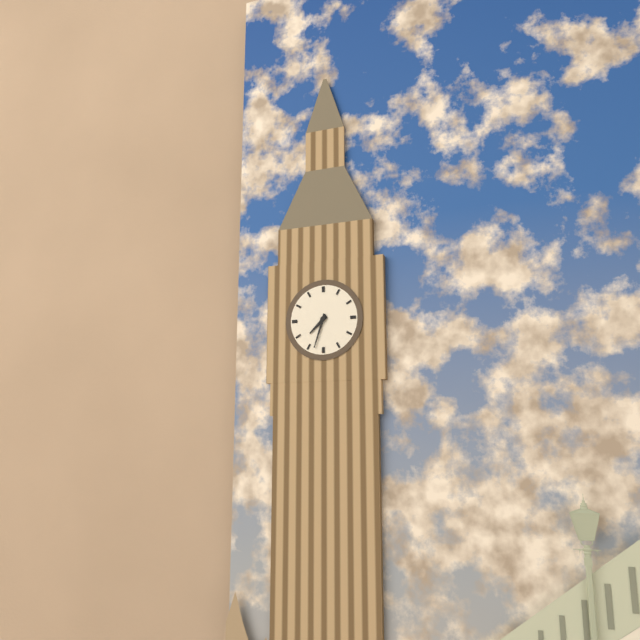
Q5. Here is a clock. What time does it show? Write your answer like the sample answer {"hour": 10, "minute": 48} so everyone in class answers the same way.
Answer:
{"hour": 7, "minute": 33}
